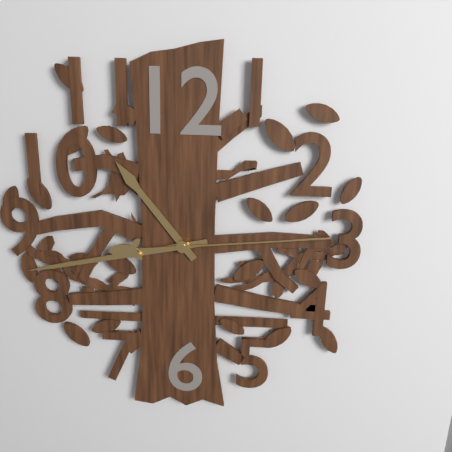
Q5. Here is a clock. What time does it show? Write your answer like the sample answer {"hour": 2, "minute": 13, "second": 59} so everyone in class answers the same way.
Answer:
{"hour": 10, "minute": 43, "second": 14}
